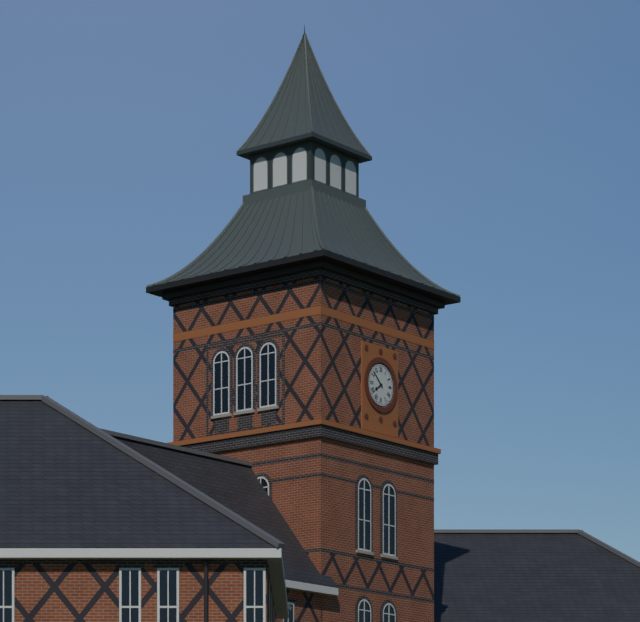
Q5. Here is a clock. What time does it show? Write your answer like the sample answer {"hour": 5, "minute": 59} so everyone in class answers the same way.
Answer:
{"hour": 7, "minute": 52}
